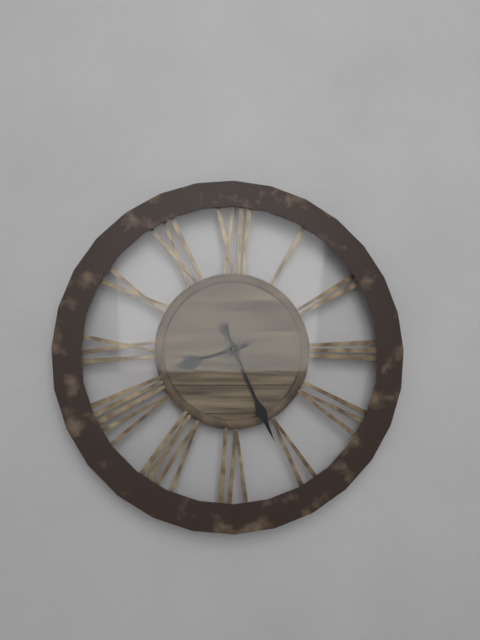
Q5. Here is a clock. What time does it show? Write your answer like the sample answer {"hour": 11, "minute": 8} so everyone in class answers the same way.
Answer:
{"hour": 8, "minute": 26}
